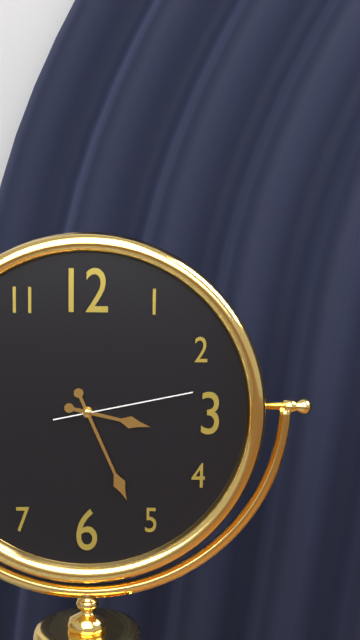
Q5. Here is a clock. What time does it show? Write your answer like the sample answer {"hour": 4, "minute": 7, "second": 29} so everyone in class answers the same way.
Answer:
{"hour": 3, "minute": 26, "second": 13}
